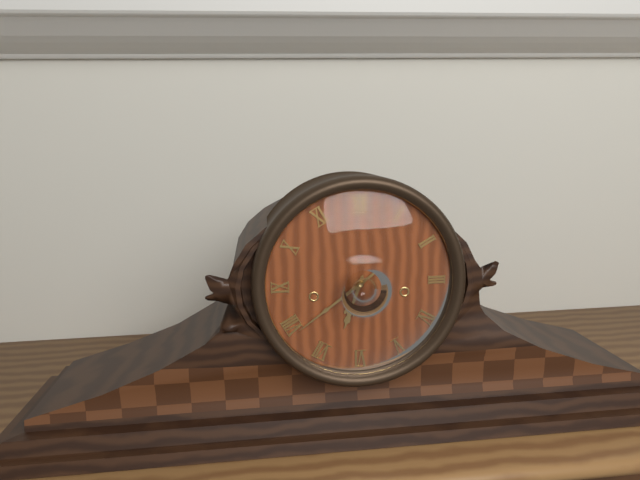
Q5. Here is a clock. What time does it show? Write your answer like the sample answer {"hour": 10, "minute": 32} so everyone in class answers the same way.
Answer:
{"hour": 6, "minute": 39}
